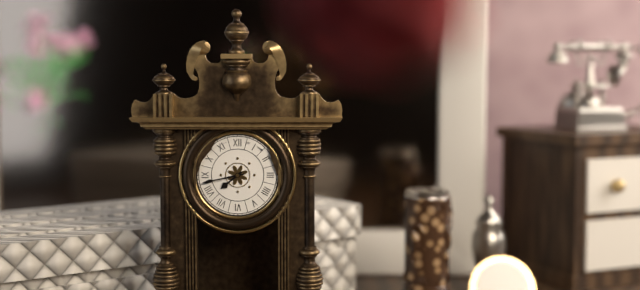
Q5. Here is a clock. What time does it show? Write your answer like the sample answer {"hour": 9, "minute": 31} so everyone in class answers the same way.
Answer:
{"hour": 7, "minute": 43}
